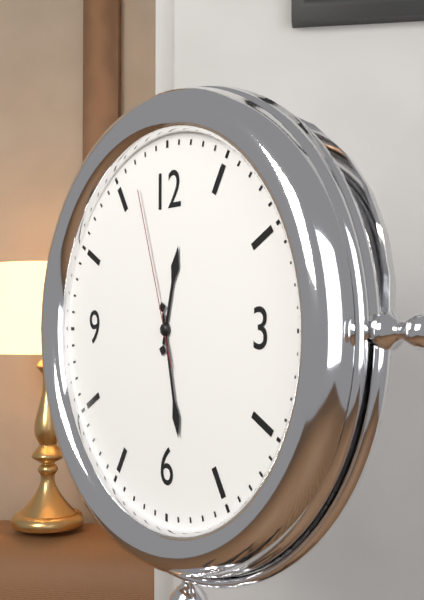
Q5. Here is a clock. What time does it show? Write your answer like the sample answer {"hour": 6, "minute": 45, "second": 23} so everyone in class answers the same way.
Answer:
{"hour": 12, "minute": 28, "second": 57}
